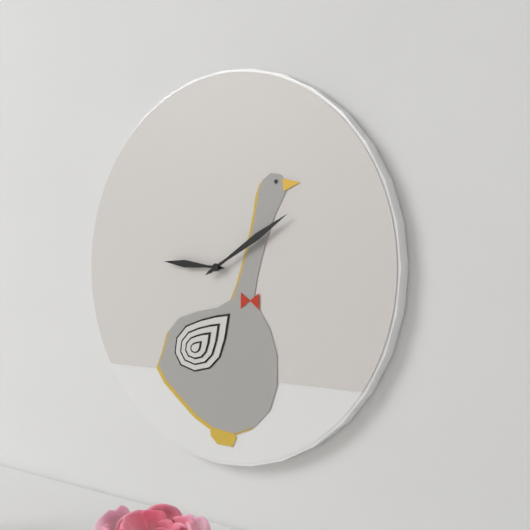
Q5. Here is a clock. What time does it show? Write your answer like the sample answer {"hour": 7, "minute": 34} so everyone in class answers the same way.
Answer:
{"hour": 9, "minute": 10}
